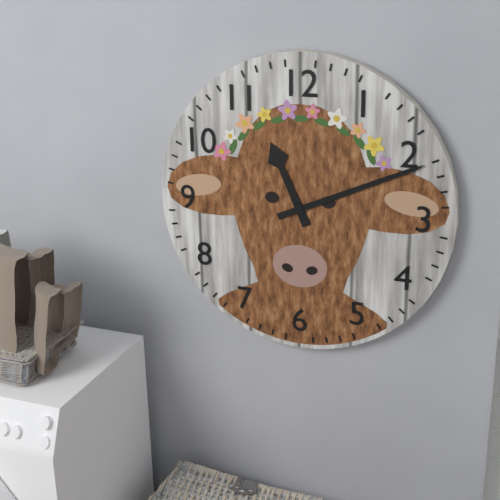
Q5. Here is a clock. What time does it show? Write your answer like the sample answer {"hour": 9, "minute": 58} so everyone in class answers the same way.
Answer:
{"hour": 11, "minute": 11}
